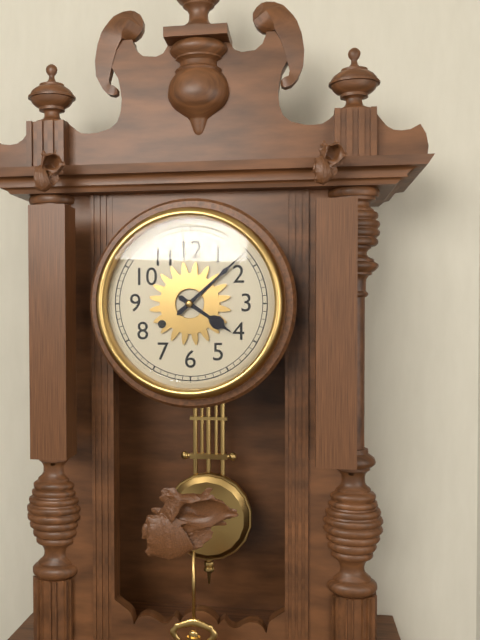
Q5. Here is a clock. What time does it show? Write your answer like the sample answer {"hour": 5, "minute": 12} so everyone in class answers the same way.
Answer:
{"hour": 4, "minute": 8}
